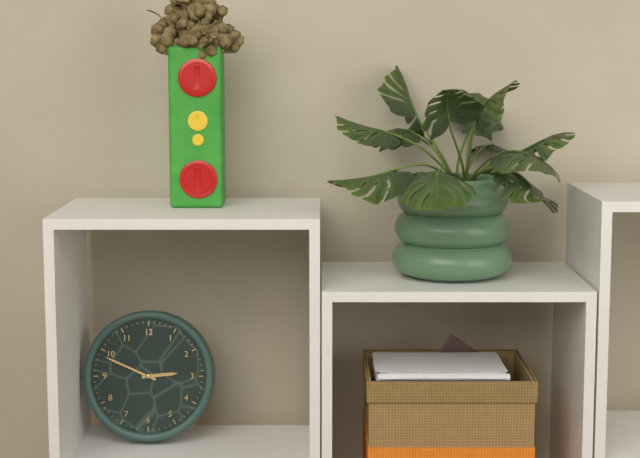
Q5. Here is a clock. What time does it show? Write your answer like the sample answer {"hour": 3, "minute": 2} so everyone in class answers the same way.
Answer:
{"hour": 2, "minute": 49}
